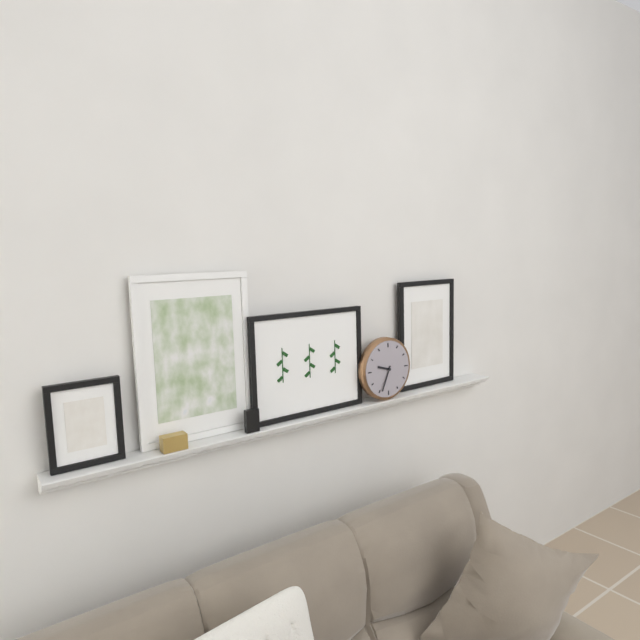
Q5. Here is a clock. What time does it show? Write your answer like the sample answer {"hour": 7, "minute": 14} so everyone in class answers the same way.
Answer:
{"hour": 9, "minute": 34}
